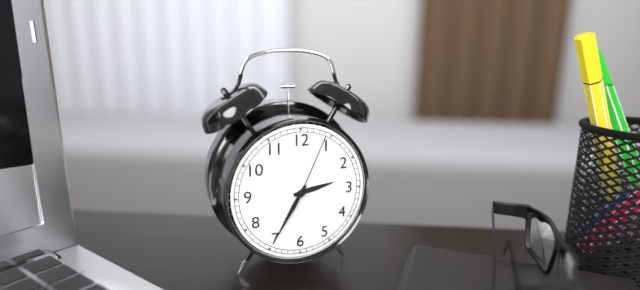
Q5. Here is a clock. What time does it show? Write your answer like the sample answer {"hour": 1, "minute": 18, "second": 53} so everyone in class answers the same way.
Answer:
{"hour": 2, "minute": 35, "second": 4}
